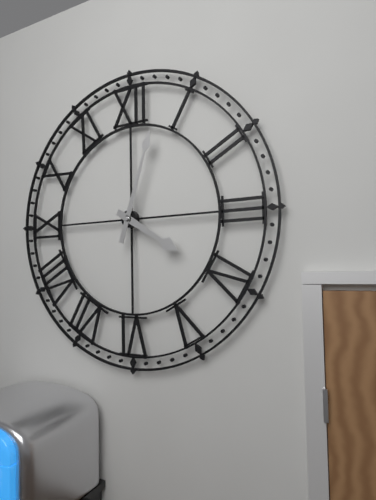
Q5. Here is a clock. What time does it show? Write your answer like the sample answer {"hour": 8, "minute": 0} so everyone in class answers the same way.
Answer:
{"hour": 4, "minute": 3}
